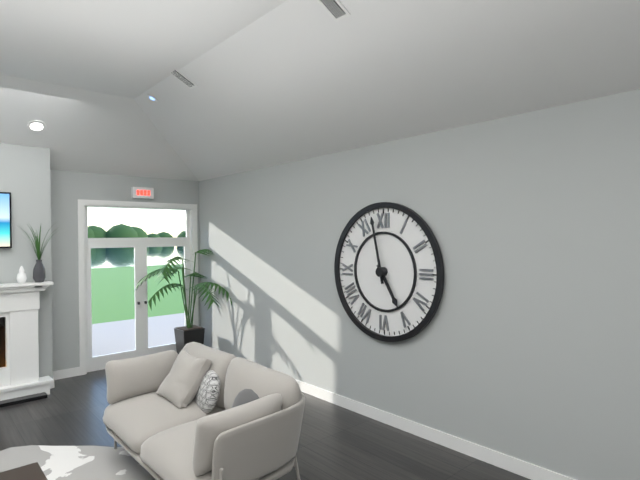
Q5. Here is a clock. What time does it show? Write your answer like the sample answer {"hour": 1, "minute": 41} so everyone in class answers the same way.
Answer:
{"hour": 4, "minute": 58}
